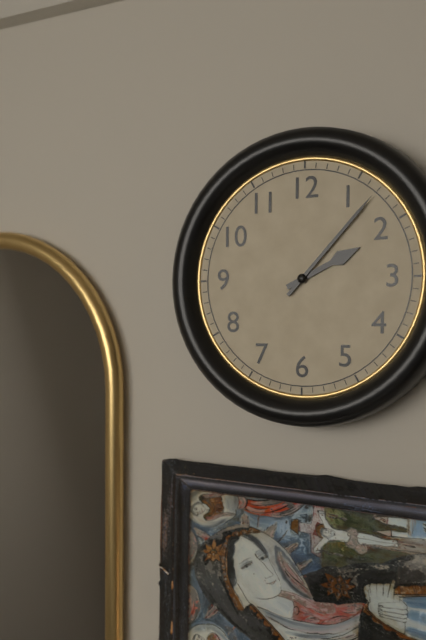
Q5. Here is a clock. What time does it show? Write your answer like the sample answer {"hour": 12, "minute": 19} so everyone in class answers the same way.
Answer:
{"hour": 2, "minute": 7}
